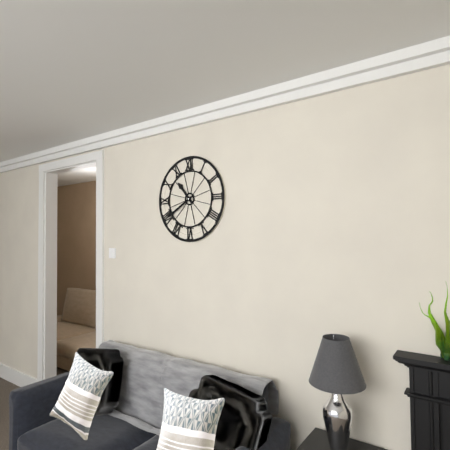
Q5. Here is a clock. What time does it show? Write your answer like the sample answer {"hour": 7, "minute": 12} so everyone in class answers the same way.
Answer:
{"hour": 10, "minute": 40}
